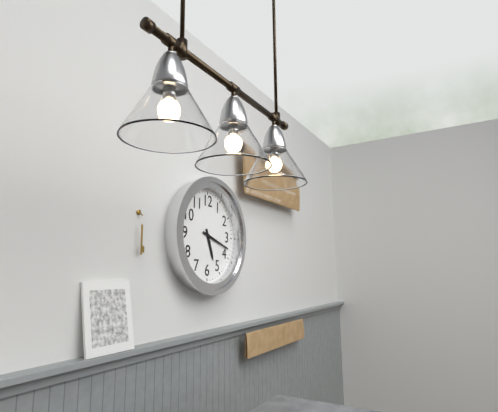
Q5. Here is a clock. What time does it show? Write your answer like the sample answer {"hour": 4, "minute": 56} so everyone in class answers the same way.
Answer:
{"hour": 5, "minute": 18}
